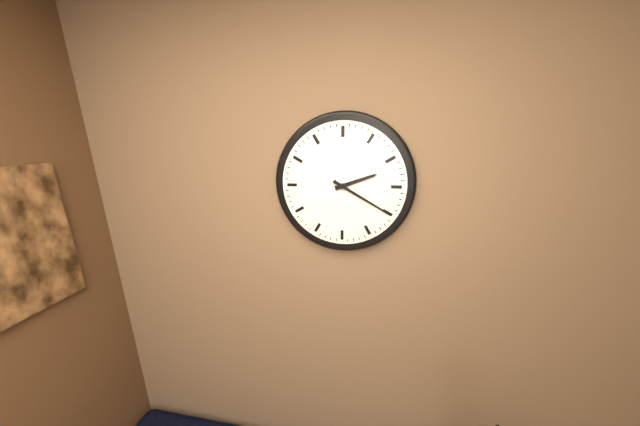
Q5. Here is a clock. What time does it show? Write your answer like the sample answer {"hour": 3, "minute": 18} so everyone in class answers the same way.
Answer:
{"hour": 2, "minute": 20}
